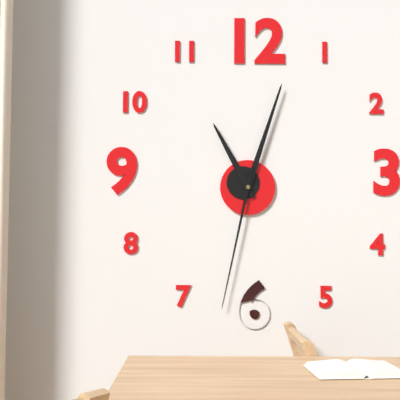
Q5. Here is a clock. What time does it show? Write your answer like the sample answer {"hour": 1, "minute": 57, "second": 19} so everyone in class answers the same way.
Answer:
{"hour": 11, "minute": 3, "second": 32}
